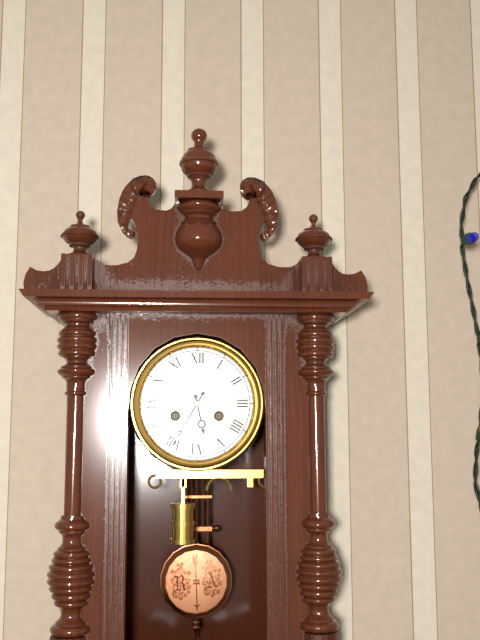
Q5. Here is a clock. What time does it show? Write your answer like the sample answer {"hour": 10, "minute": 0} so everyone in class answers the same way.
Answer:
{"hour": 5, "minute": 35}
